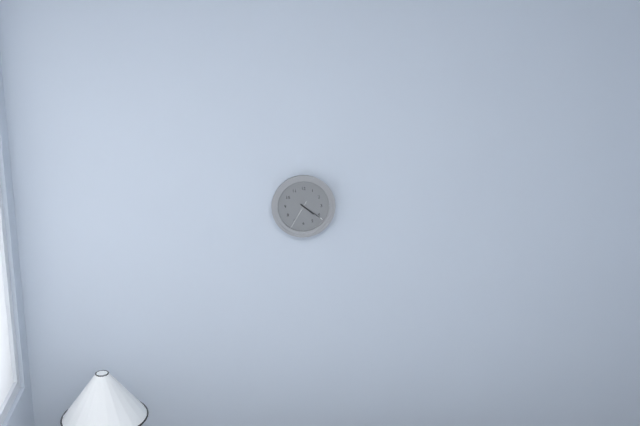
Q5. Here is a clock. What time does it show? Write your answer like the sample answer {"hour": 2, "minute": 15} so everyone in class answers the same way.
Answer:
{"hour": 4, "minute": 21}
